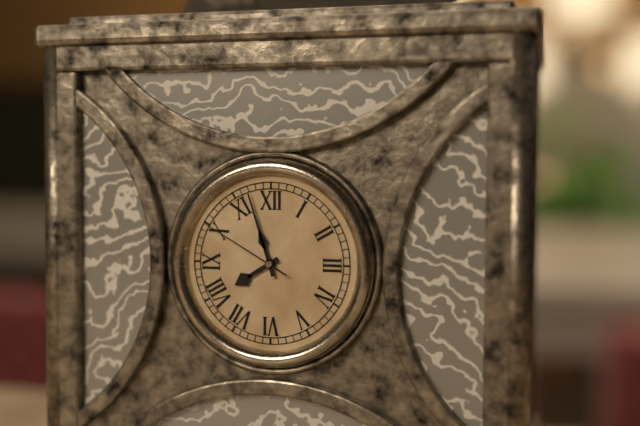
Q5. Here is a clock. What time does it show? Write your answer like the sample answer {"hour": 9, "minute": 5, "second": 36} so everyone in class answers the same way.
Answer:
{"hour": 7, "minute": 57, "second": 50}
